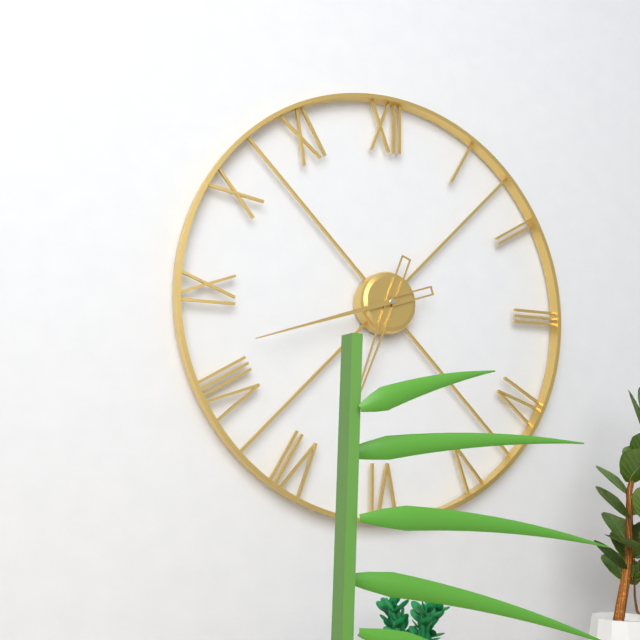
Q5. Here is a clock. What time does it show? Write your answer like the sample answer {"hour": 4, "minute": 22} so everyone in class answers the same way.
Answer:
{"hour": 6, "minute": 42}
